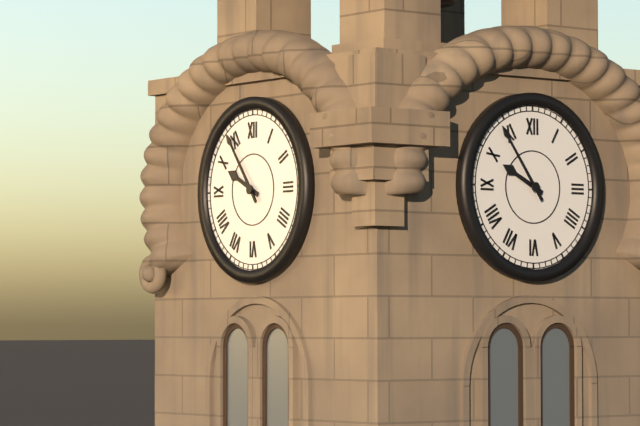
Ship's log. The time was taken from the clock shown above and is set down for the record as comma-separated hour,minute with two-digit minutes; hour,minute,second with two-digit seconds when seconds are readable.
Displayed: 9,54
